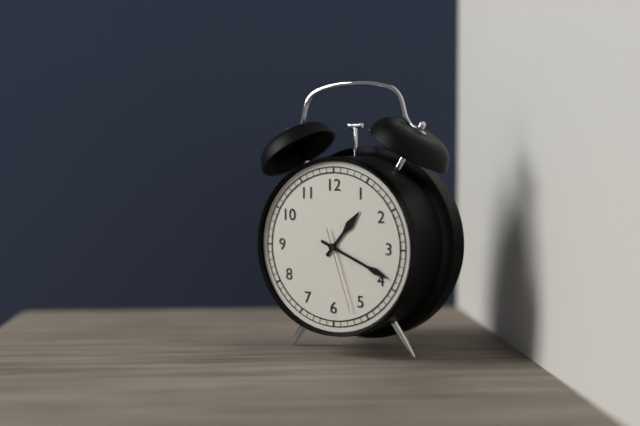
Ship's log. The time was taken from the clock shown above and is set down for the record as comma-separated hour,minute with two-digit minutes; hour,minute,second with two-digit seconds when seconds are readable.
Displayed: 1,19,27
